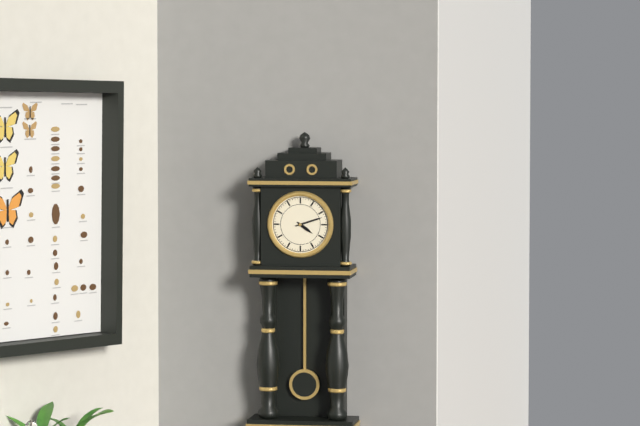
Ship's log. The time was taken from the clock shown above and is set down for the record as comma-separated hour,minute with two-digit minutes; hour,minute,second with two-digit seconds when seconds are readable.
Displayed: 4,12
